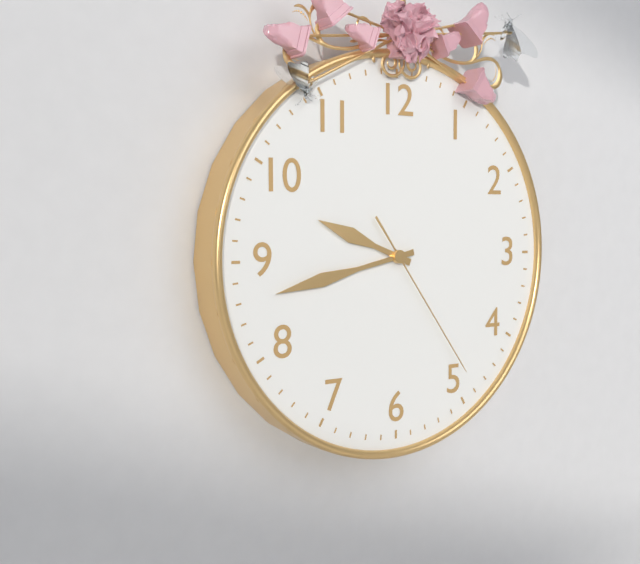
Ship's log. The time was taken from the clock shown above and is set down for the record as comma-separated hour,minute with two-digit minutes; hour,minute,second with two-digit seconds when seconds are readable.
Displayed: 9,43,24
